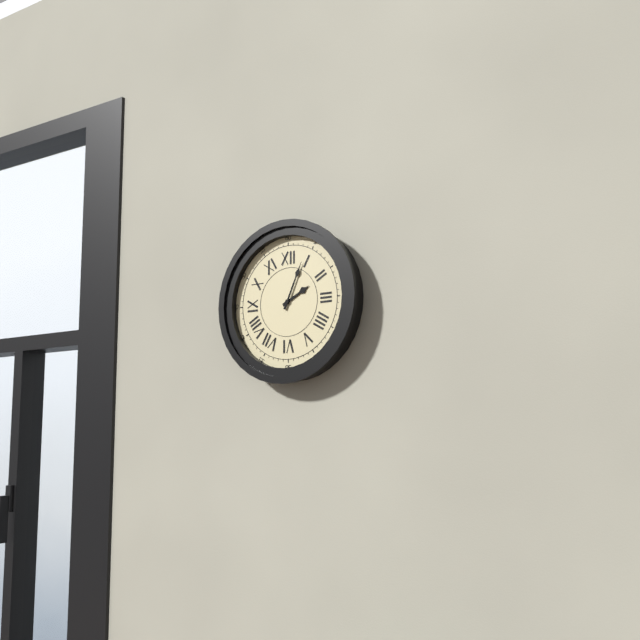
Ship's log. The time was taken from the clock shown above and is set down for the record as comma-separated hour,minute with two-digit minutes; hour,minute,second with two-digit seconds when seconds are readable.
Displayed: 2,04
